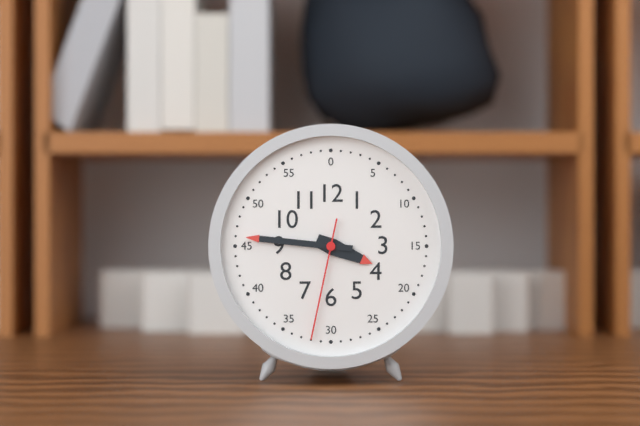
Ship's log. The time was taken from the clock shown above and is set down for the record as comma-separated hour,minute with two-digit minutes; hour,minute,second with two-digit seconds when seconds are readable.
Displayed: 3,46,32
